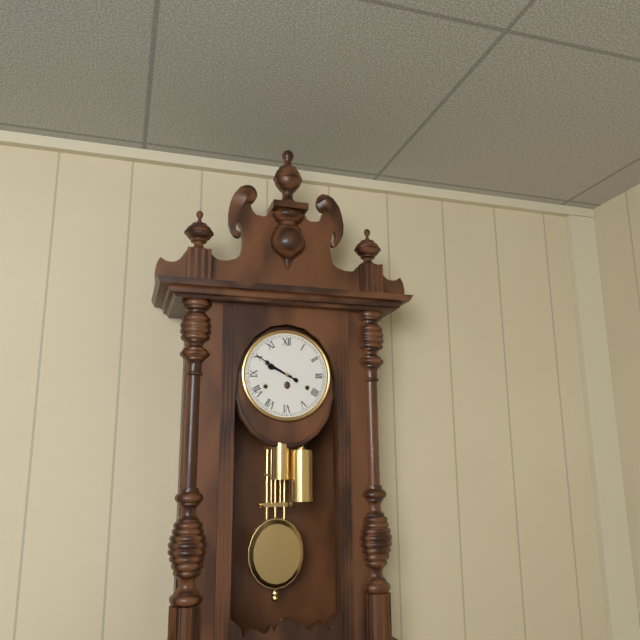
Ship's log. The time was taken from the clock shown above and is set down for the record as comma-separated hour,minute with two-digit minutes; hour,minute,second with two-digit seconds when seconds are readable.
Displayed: 9,50
